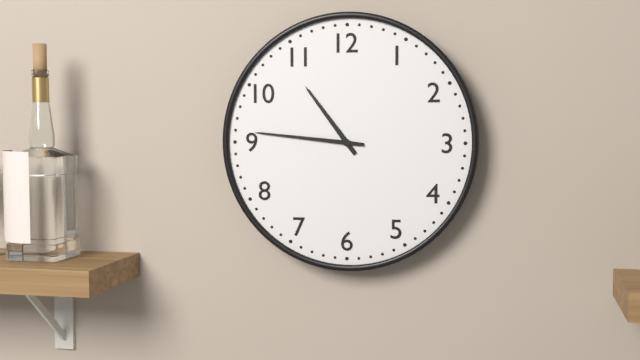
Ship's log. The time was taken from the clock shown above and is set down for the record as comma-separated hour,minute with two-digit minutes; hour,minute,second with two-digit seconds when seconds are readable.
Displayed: 10,46
